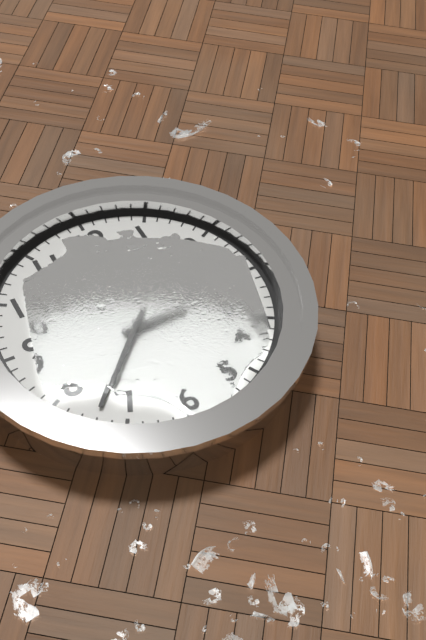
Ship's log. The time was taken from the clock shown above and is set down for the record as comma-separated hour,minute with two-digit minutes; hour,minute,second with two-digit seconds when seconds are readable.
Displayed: 2,37
